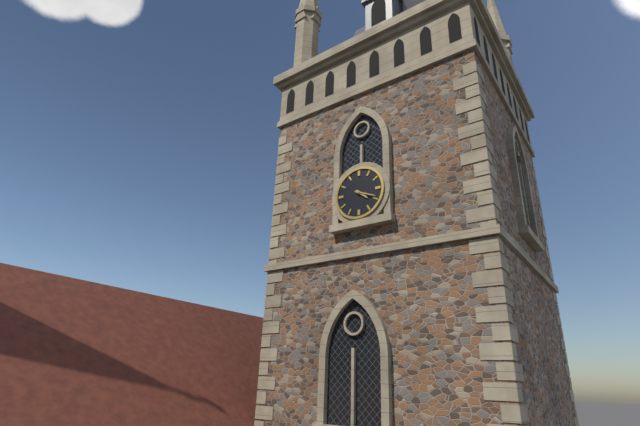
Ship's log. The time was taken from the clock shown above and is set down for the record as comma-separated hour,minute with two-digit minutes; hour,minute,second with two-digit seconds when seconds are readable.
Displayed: 4,19
